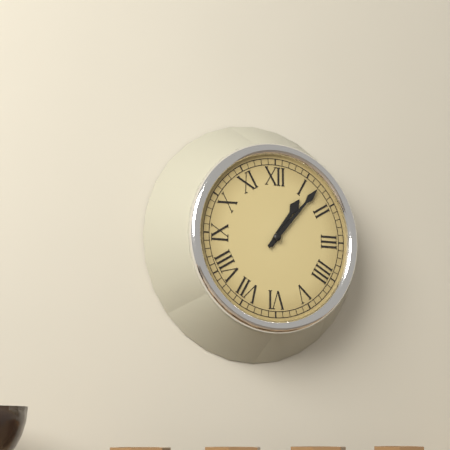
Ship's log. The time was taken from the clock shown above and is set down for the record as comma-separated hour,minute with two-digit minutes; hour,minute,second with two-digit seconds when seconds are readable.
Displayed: 1,07
